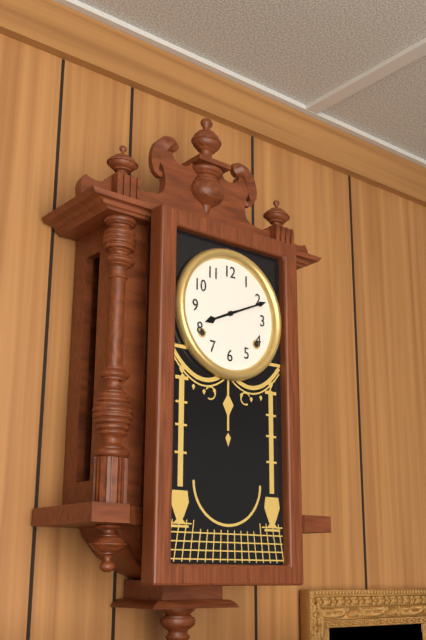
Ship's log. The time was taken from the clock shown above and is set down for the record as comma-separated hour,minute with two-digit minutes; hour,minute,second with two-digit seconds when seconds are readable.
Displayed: 8,11
